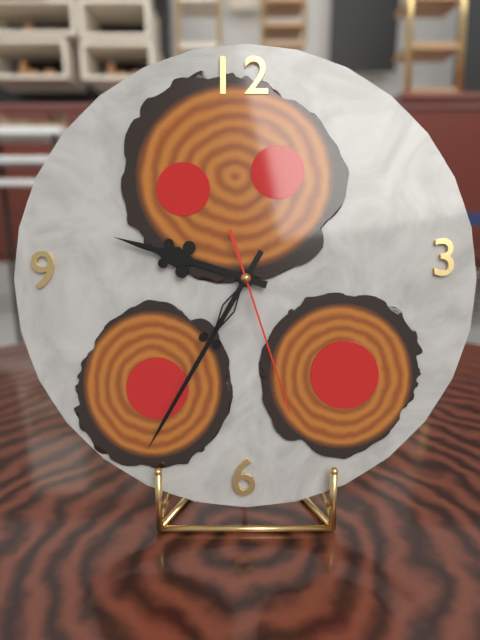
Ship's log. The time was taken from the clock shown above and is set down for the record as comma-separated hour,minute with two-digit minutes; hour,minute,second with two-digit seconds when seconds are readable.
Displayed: 9,35,27
